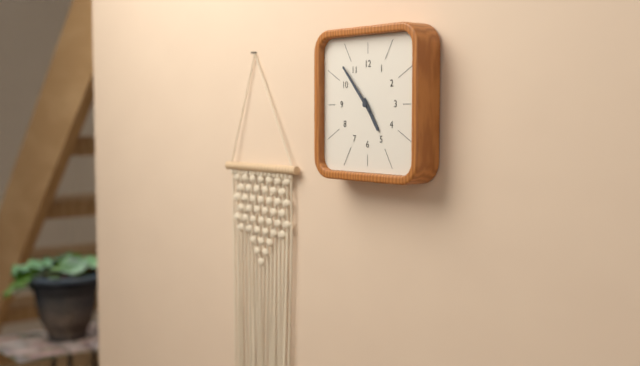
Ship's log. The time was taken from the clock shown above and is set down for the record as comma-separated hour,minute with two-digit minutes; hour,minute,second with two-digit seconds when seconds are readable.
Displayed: 4,53
